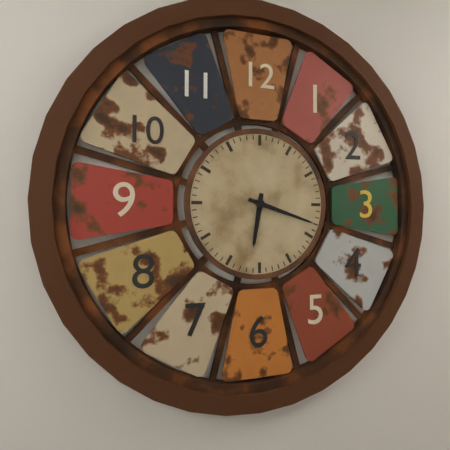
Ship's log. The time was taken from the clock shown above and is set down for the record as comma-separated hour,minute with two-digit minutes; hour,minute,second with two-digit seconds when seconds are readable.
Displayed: 6,18
